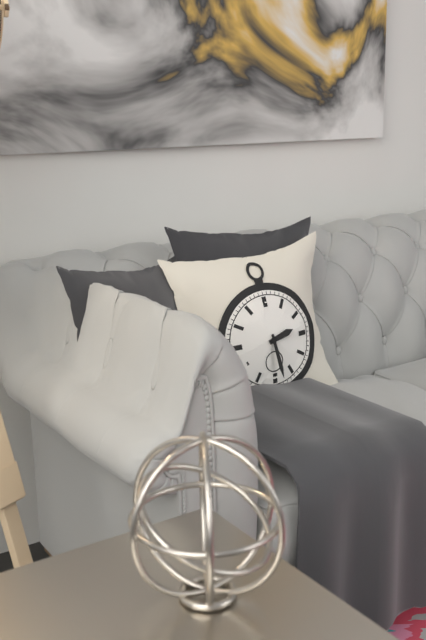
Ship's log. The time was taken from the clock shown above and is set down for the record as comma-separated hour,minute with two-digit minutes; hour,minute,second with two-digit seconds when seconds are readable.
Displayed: 2,29
